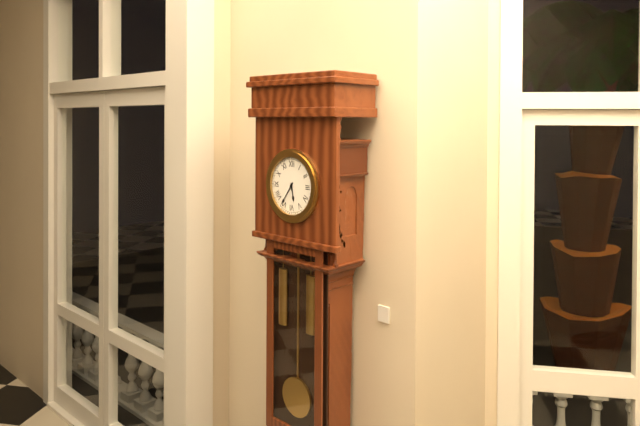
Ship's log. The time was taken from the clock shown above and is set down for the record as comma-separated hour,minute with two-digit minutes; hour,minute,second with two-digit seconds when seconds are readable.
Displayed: 5,36
